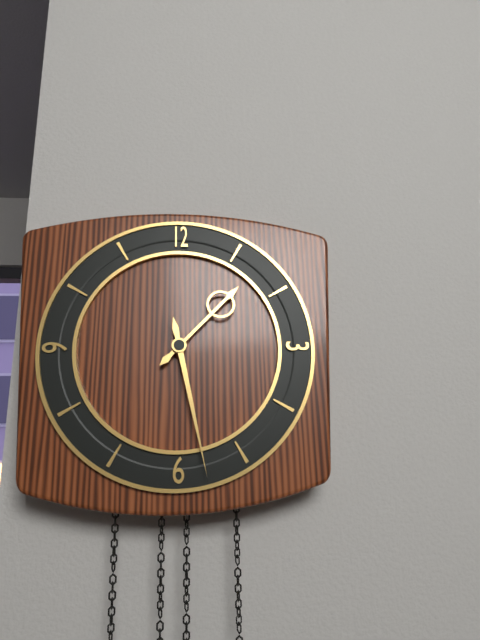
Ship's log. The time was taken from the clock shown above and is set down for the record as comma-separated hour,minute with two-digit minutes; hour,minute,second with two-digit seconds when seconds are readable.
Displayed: 1,28
